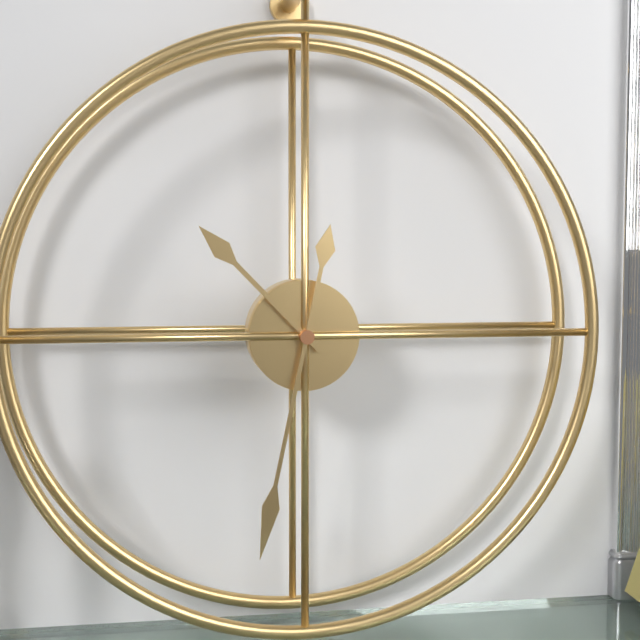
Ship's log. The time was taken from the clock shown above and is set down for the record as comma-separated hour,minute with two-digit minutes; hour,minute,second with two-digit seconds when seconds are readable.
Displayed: 10,32
